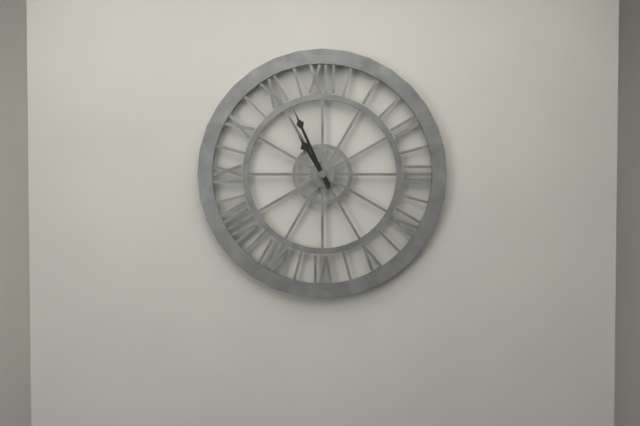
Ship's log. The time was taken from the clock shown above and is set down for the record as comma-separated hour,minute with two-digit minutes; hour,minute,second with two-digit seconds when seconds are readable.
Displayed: 10,56
